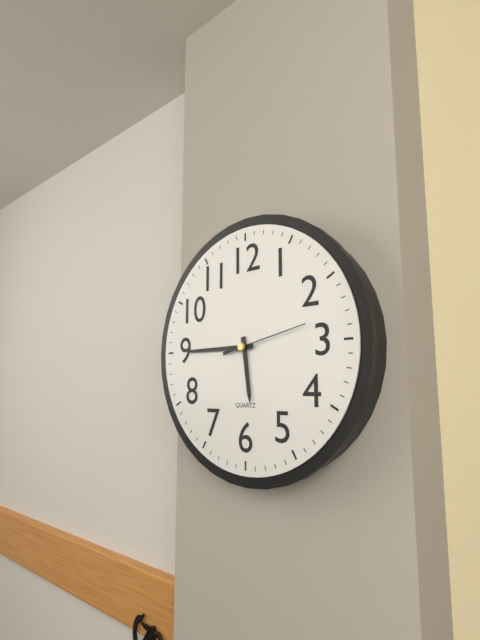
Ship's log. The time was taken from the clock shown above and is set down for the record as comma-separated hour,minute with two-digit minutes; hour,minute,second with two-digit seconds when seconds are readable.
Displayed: 5,45,13
